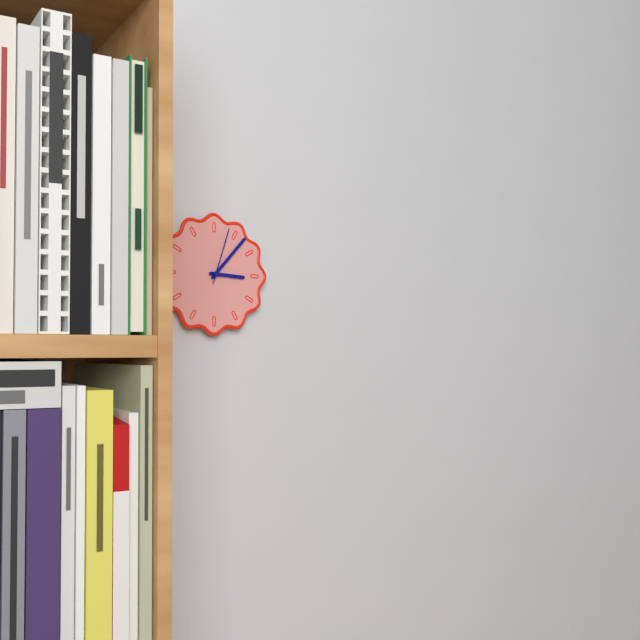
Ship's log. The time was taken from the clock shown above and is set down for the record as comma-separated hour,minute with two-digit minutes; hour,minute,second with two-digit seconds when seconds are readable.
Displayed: 3,07,03
